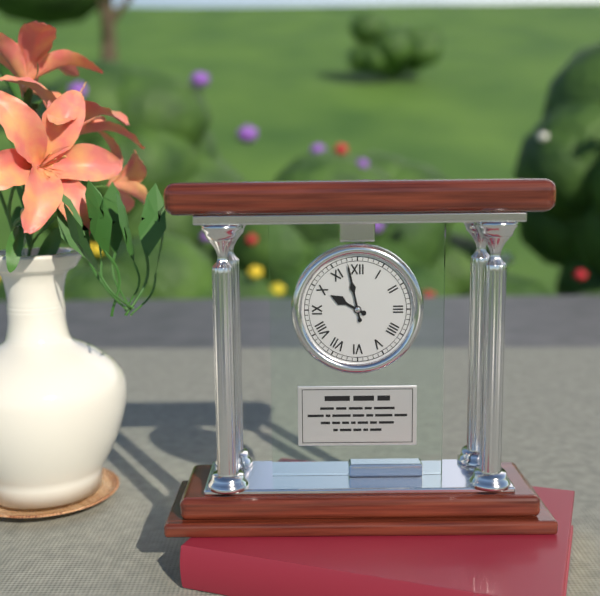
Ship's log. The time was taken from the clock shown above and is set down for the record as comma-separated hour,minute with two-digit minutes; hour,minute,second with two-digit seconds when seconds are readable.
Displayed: 9,58
